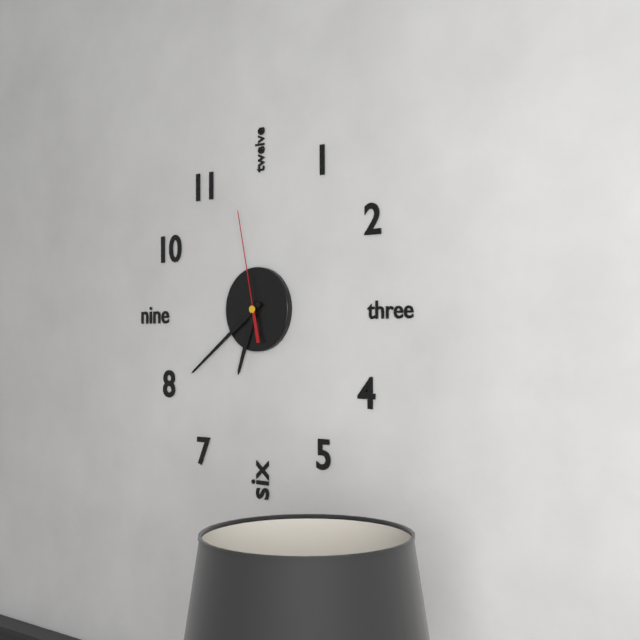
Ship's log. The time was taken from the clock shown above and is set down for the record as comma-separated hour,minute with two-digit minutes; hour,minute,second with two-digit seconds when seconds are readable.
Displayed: 6,39,58
